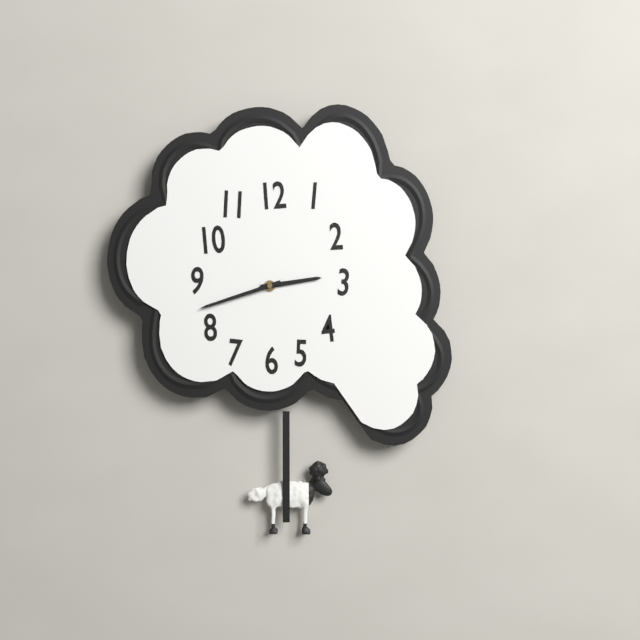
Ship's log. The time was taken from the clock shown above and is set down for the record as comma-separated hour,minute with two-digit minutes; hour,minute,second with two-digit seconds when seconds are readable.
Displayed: 2,42
